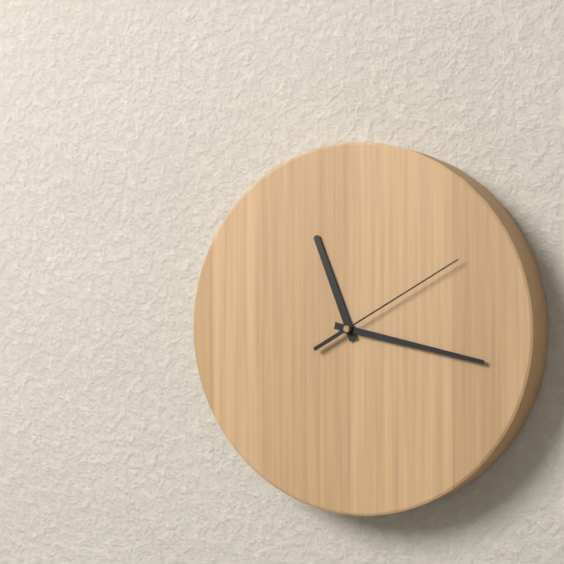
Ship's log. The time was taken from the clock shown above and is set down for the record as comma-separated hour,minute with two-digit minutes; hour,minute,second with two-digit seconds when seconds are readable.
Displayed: 11,17,10
